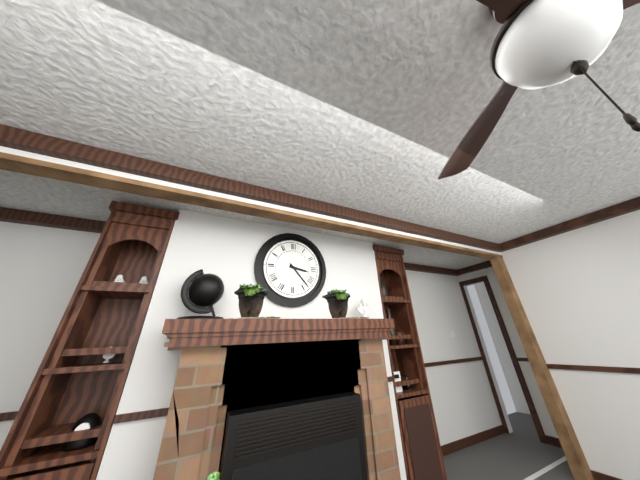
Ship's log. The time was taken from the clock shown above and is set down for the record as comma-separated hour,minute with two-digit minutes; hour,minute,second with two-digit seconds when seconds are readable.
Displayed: 3,23
